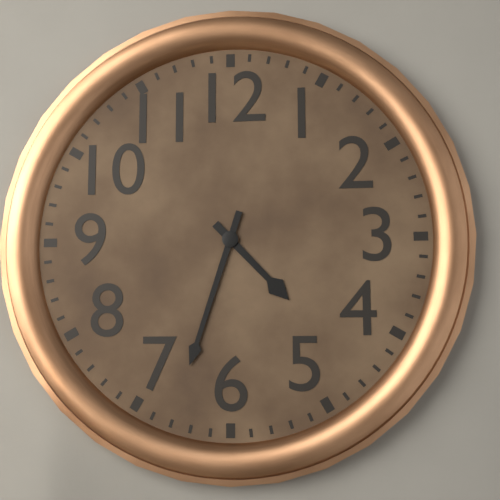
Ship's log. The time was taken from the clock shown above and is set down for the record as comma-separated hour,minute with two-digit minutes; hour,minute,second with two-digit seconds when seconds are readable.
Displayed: 4,33
